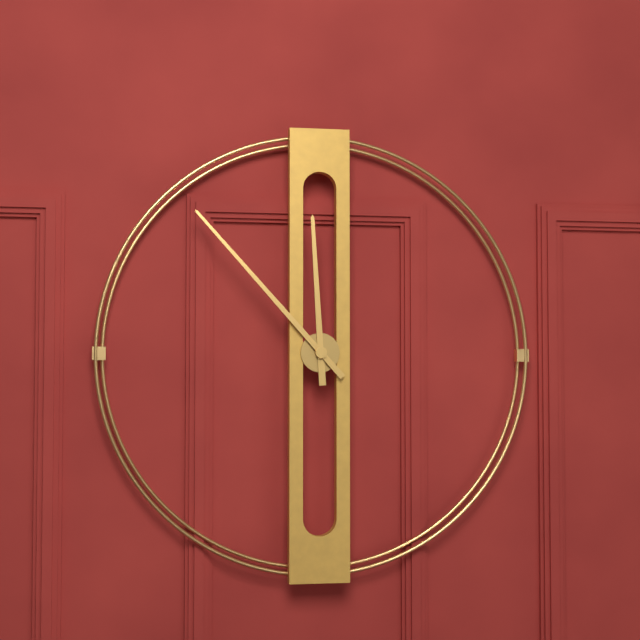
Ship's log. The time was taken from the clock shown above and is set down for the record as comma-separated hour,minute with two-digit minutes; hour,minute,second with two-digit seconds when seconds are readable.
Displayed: 11,53
